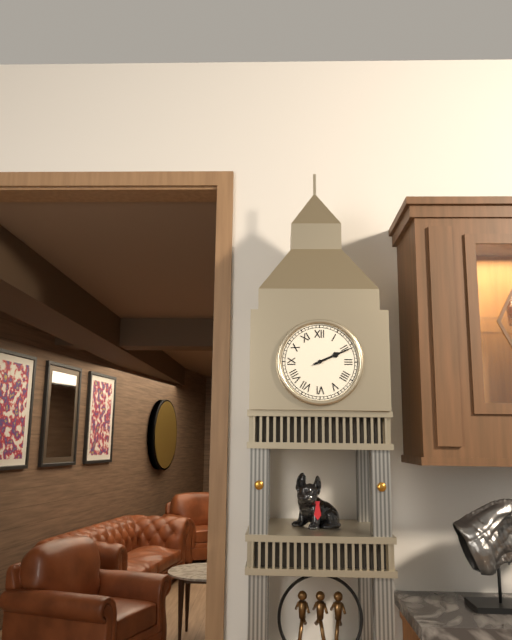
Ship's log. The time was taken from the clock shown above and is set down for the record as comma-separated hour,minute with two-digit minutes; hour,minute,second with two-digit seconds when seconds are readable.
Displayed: 2,11
